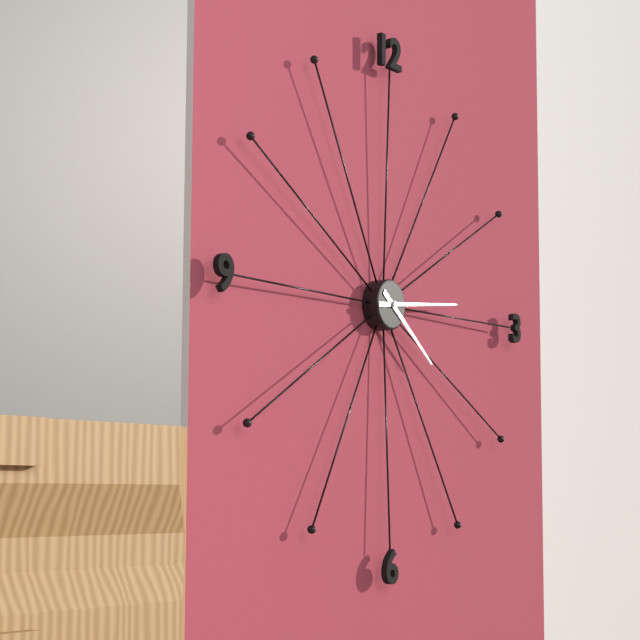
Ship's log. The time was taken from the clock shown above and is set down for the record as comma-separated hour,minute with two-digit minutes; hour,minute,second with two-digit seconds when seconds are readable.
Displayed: 4,14
